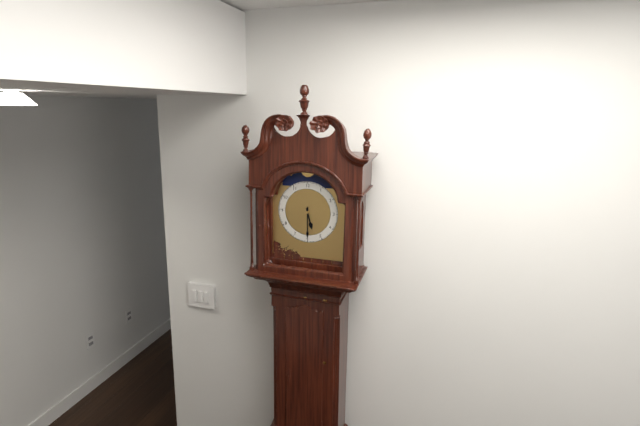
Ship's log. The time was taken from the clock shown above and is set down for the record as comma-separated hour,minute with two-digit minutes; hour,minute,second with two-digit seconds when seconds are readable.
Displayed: 5,30
